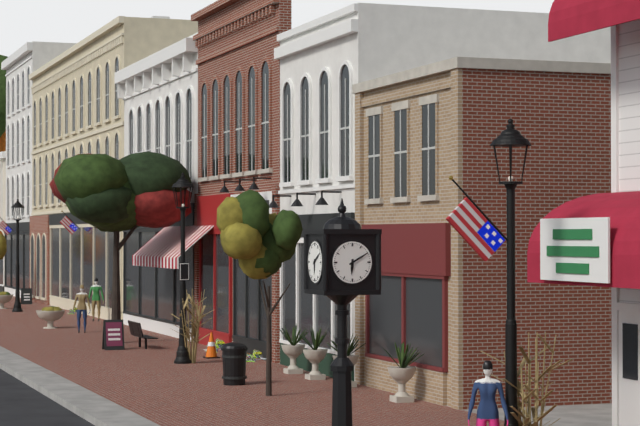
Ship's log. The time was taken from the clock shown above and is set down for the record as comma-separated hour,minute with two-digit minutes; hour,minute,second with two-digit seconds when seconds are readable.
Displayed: 6,10
